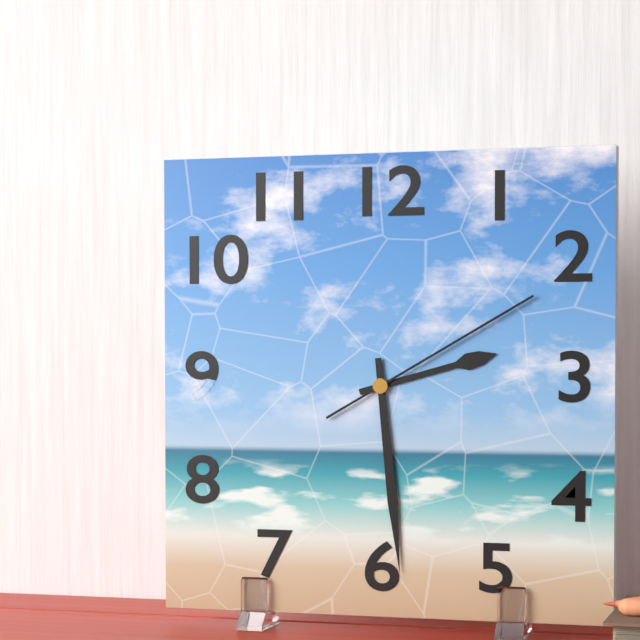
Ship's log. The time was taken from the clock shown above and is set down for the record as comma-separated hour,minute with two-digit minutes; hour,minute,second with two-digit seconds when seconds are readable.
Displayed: 2,29,10
